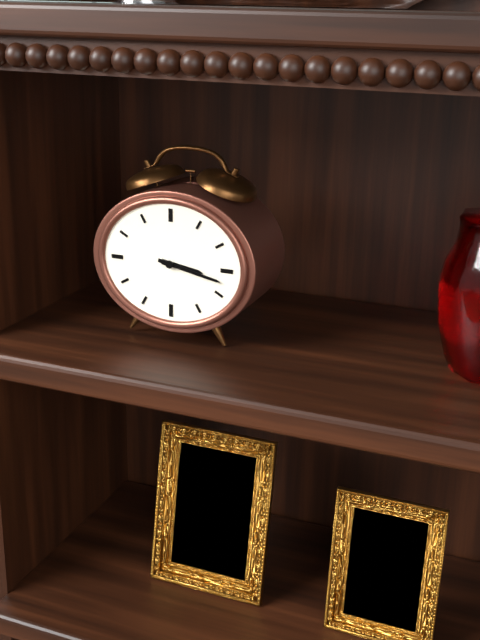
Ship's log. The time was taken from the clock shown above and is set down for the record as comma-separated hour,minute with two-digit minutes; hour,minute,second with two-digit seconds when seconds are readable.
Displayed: 3,17
